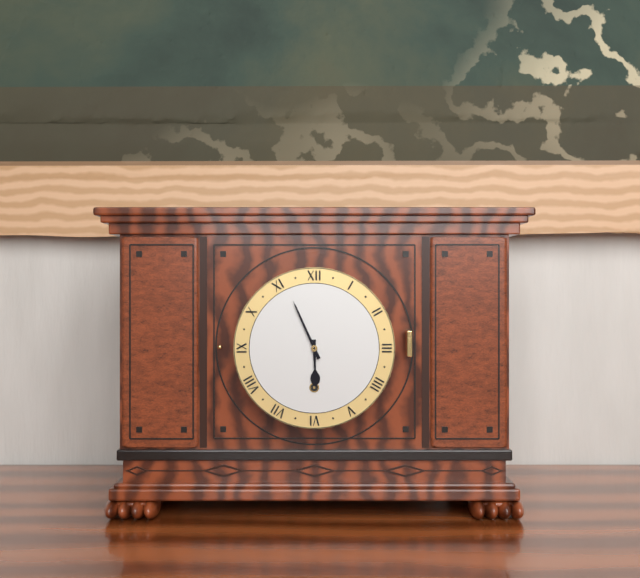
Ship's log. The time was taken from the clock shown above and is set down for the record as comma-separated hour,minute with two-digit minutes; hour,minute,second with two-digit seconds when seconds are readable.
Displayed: 5,56
